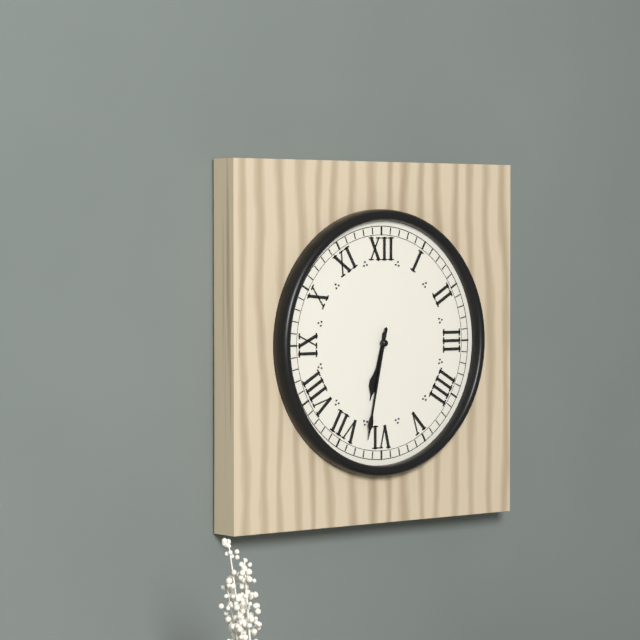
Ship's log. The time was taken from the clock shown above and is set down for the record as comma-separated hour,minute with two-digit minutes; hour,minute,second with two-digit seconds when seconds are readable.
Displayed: 6,32
